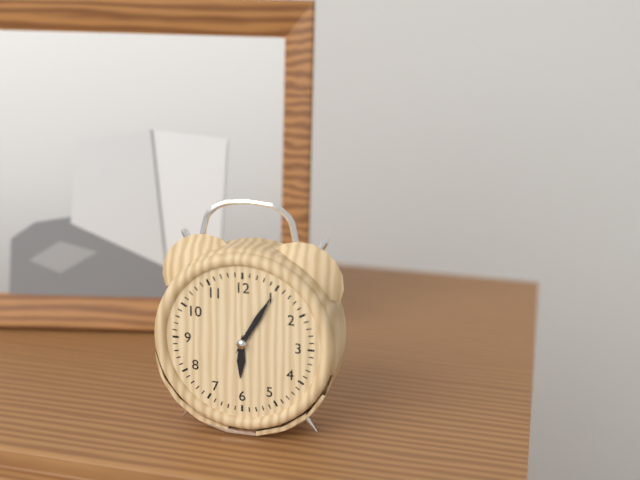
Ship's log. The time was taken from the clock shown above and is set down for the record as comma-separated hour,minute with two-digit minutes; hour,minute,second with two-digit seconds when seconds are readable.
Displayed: 6,05
